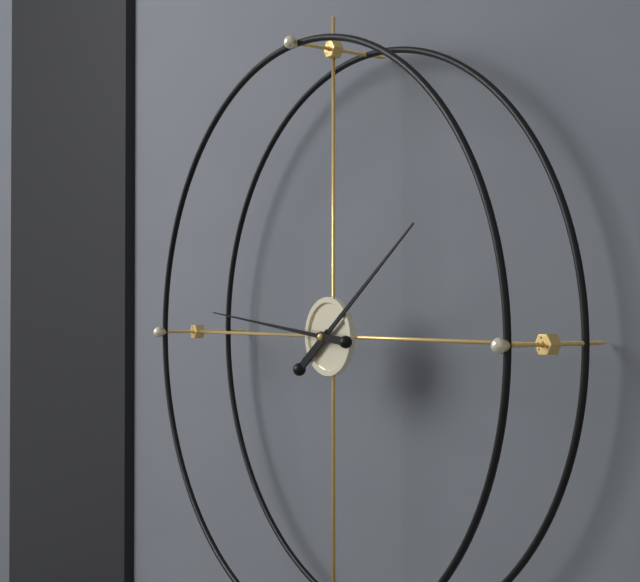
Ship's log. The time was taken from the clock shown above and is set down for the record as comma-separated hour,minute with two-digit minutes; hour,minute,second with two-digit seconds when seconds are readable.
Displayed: 1,46
